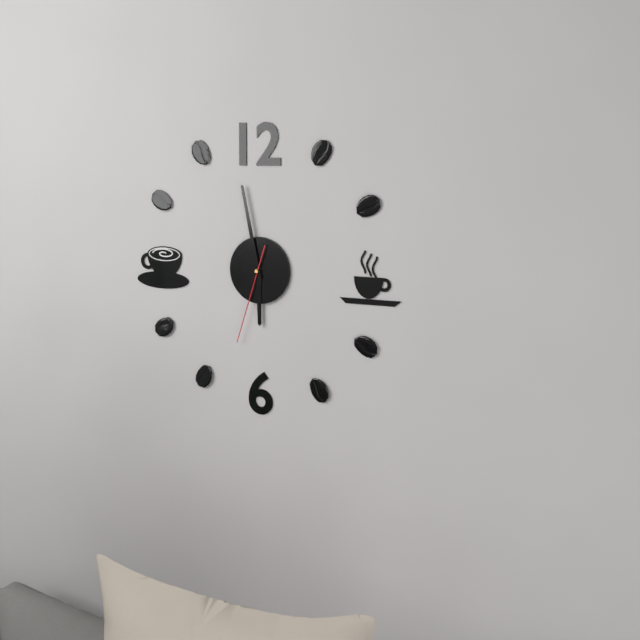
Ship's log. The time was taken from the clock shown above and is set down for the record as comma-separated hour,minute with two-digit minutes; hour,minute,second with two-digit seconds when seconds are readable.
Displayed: 5,58,33
